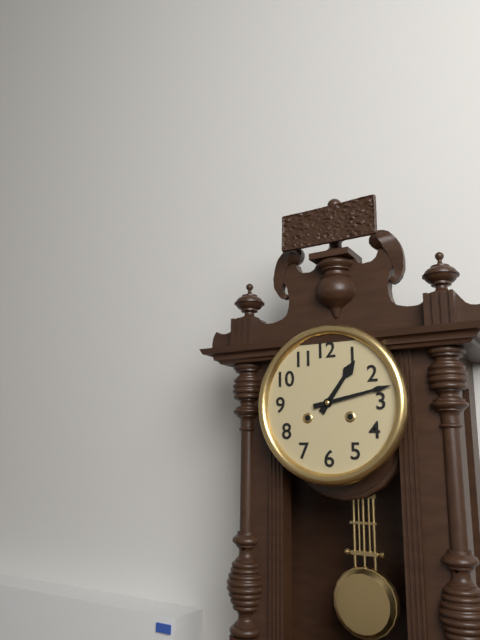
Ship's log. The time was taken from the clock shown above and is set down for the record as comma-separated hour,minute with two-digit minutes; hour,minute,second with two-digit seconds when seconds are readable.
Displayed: 1,13
